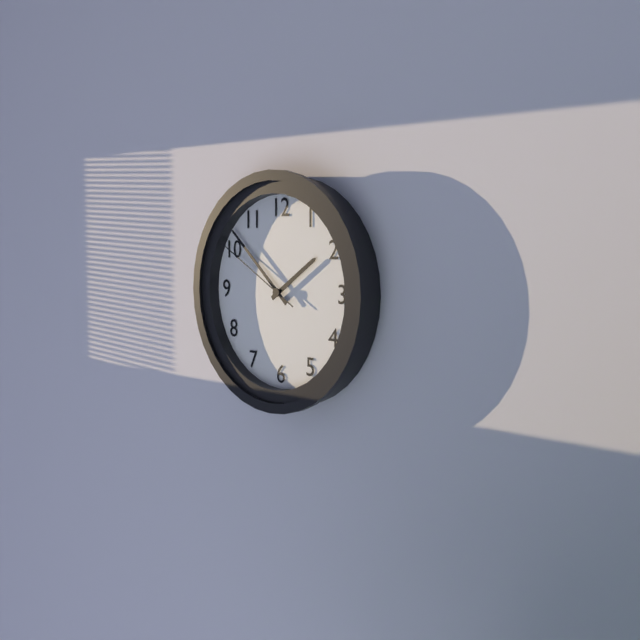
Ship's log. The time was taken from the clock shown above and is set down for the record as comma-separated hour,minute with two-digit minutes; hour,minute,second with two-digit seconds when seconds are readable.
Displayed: 1,52,50
